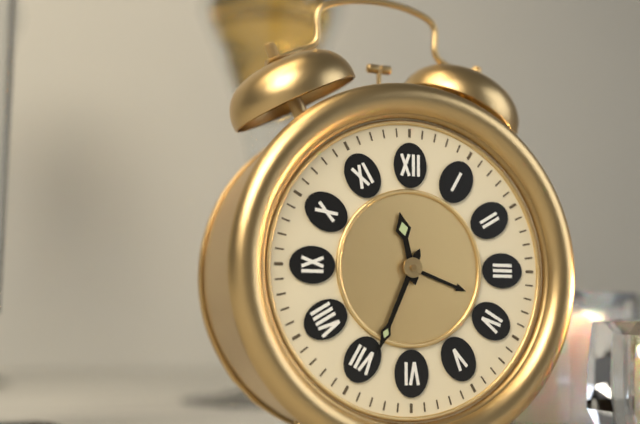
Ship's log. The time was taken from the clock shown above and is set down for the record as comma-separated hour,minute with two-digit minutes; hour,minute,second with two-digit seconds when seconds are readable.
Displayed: 11,34
